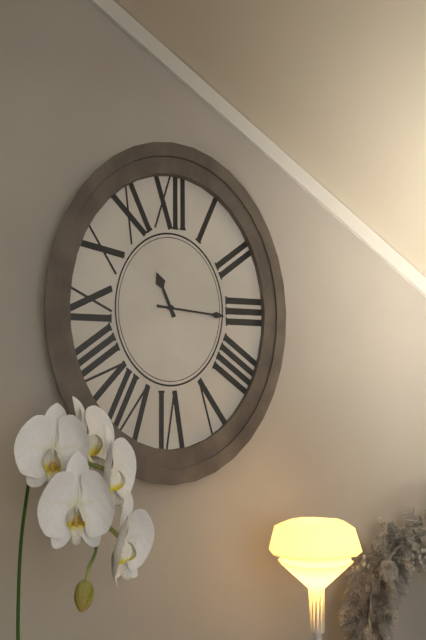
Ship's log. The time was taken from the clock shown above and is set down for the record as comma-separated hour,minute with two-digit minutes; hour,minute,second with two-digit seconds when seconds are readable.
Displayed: 11,16
